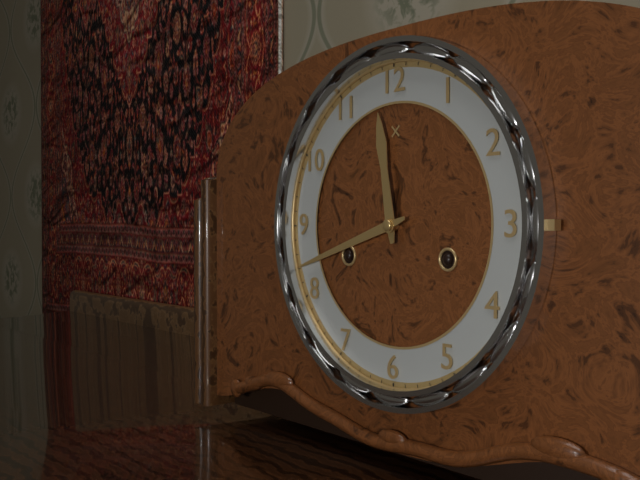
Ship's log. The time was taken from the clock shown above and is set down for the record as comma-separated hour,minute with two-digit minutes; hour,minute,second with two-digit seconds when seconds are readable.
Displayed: 11,42
